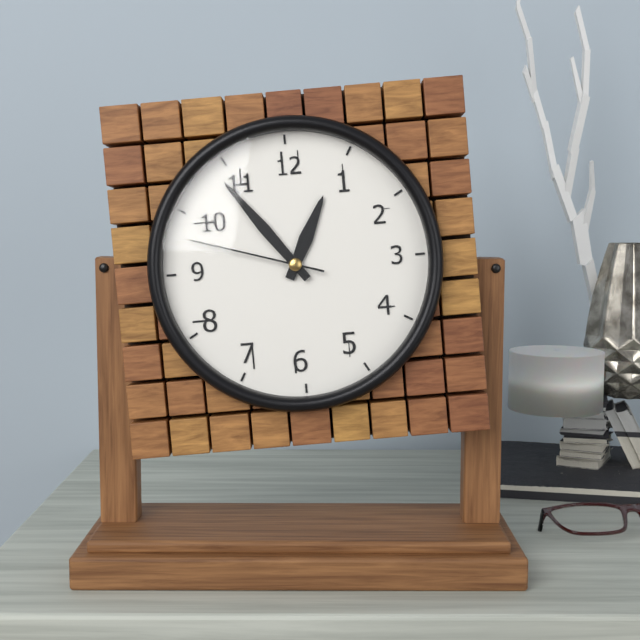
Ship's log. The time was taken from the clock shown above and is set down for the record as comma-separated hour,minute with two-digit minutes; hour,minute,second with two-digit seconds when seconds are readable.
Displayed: 12,54,48
